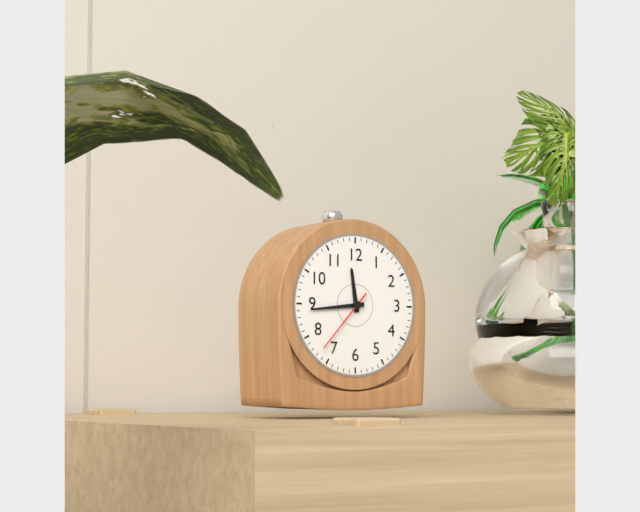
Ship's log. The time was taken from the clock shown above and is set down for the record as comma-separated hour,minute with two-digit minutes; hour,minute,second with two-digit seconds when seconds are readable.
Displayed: 11,44,37
